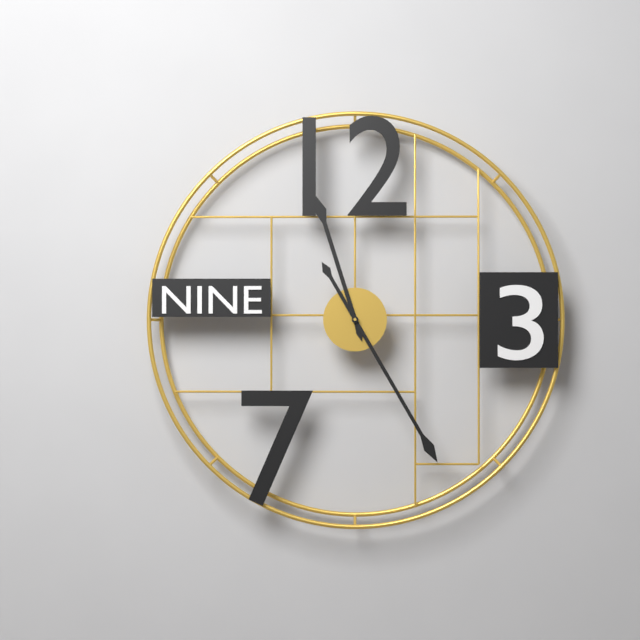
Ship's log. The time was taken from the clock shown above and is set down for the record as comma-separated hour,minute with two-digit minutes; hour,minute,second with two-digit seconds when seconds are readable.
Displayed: 11,25
